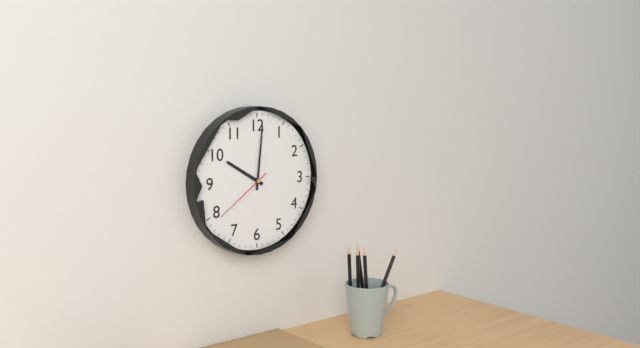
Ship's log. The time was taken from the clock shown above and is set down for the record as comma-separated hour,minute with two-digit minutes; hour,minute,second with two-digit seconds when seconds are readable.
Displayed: 10,01,39
